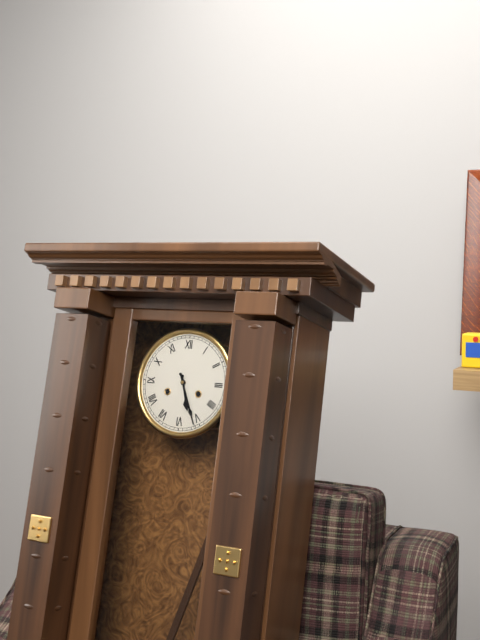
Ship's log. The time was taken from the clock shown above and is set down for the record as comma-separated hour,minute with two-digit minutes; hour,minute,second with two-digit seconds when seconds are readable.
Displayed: 5,26
